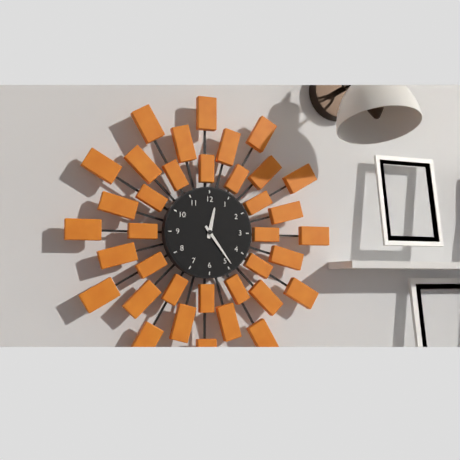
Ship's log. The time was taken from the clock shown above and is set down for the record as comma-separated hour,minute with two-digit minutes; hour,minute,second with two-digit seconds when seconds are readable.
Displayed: 12,24
